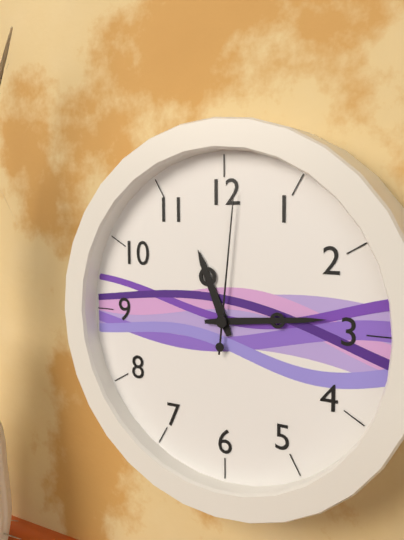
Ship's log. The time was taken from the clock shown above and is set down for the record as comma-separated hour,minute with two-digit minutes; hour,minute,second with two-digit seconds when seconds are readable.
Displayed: 11,14,01
